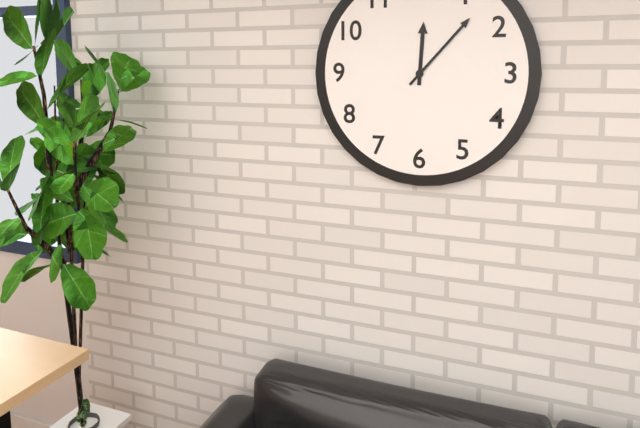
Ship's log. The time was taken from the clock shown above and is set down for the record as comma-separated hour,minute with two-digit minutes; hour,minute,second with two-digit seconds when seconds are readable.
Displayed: 12,07
